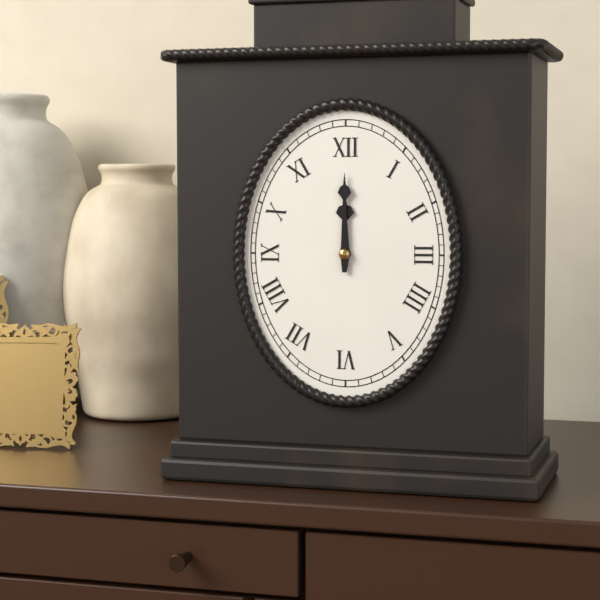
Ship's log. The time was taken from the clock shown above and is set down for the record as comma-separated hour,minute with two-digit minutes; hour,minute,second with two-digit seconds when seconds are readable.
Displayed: 12,00
